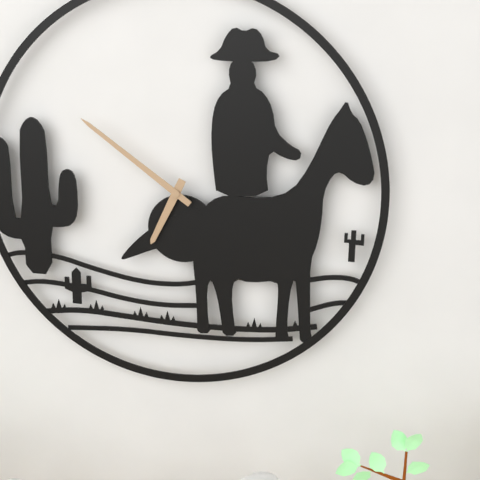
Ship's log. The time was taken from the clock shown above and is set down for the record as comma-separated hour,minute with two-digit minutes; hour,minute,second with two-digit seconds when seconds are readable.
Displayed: 6,51
